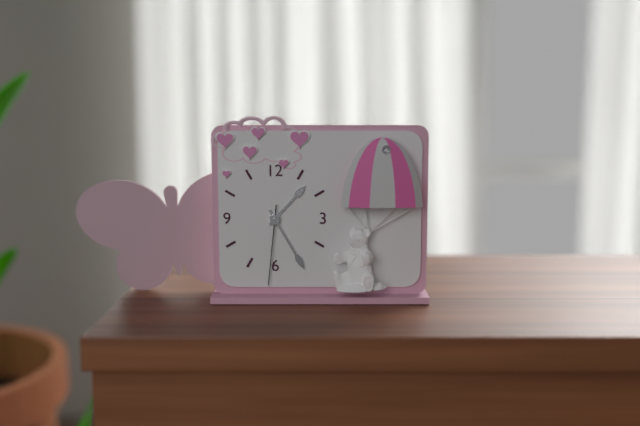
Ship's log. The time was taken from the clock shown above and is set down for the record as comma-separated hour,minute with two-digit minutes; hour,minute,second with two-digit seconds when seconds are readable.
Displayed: 1,25,31
